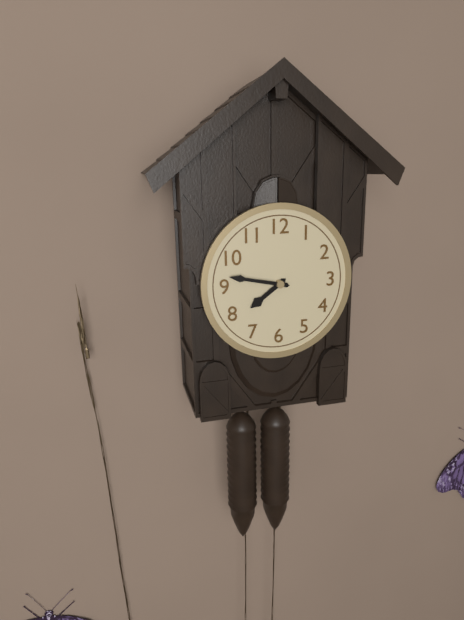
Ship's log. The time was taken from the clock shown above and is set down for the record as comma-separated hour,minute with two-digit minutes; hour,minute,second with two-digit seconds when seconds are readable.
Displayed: 7,47
